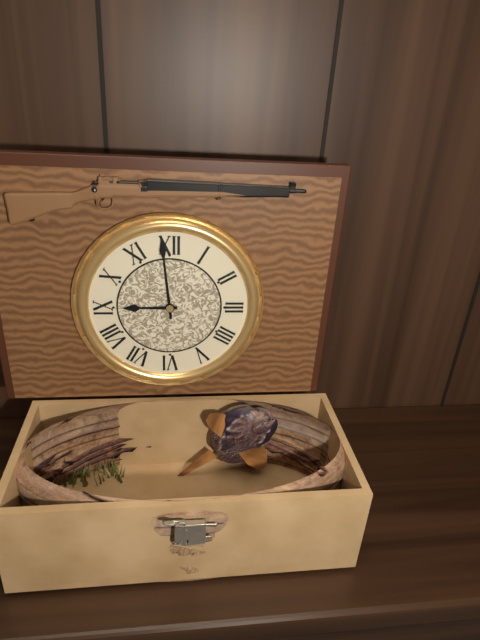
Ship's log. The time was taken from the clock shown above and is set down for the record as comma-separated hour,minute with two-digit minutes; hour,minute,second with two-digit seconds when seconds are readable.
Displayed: 8,59
